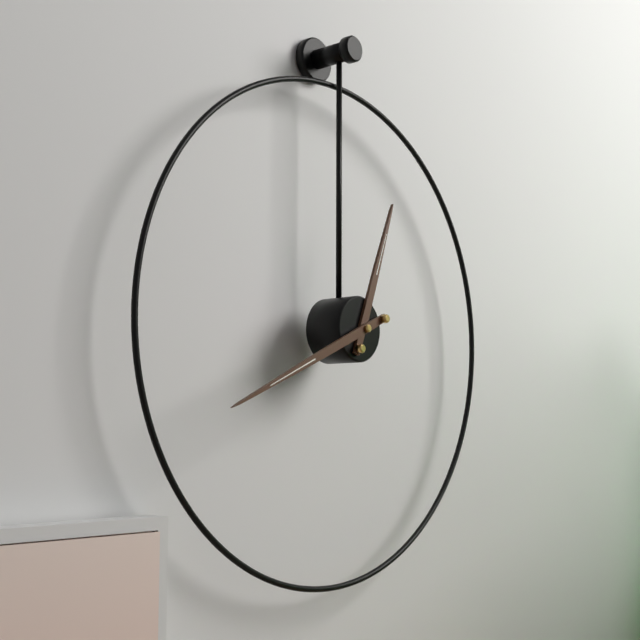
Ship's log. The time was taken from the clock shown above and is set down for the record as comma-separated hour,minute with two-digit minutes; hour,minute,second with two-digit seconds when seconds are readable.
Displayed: 12,41
